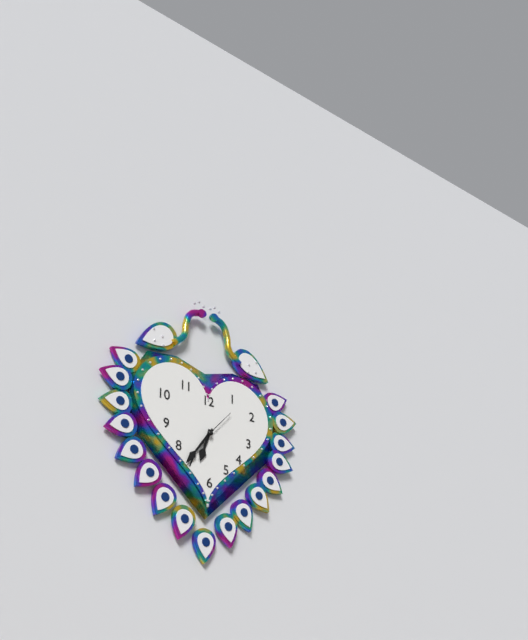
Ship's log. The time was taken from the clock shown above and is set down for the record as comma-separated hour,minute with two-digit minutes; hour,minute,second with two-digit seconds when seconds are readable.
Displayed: 6,36
